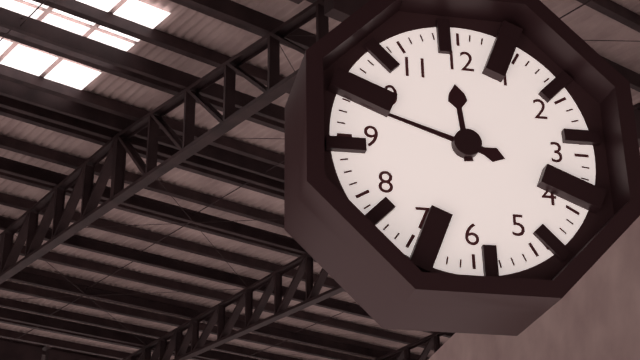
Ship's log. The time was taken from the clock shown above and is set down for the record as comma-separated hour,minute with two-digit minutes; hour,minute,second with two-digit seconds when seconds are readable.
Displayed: 11,48
